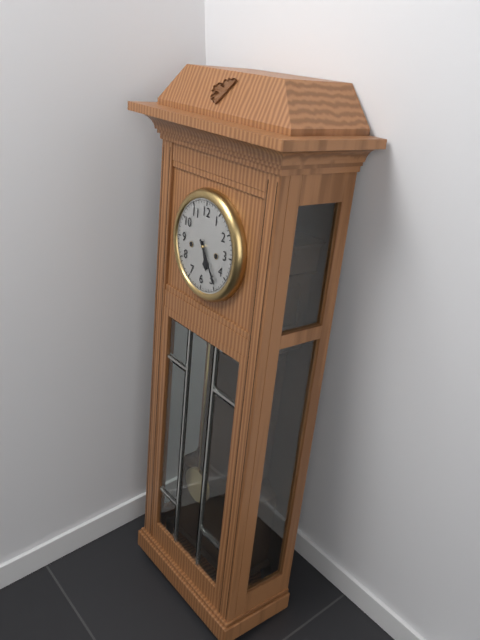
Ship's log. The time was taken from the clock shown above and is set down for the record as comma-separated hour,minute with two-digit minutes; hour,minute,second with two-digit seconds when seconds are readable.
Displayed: 5,24
